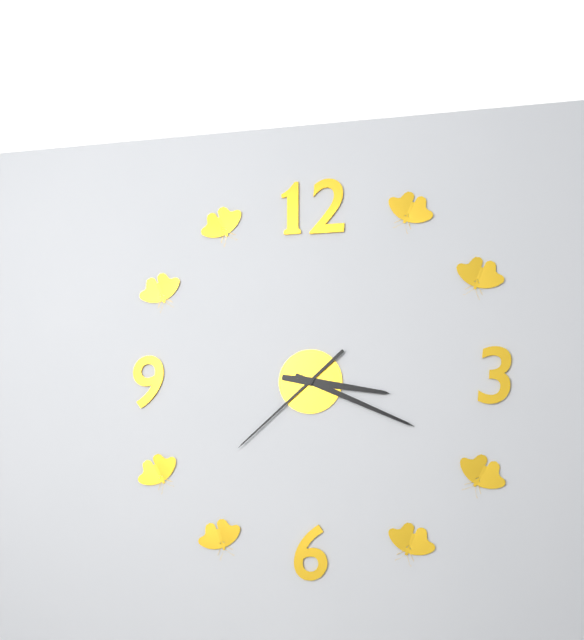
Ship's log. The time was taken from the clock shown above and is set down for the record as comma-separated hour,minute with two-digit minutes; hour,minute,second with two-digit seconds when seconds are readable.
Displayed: 3,19,38
